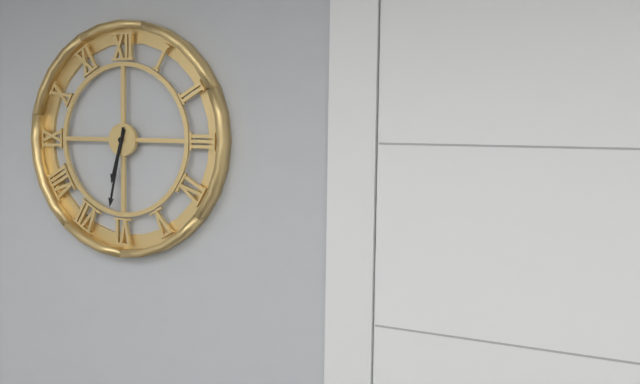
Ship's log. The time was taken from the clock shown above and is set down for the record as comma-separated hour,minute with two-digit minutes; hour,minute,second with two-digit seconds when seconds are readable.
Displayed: 6,32
